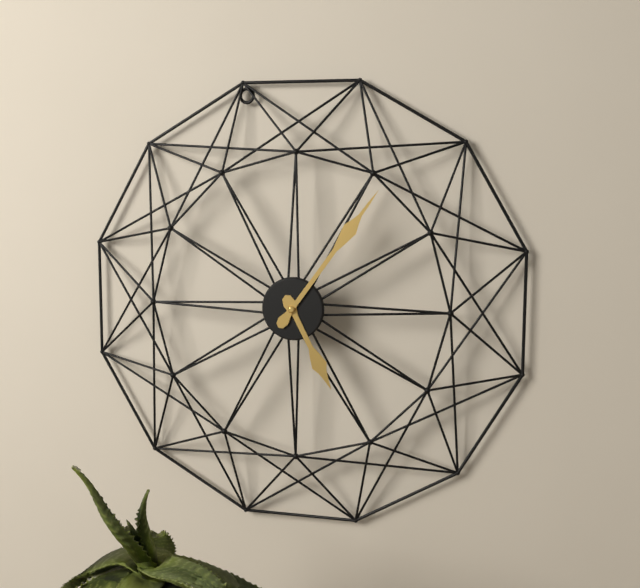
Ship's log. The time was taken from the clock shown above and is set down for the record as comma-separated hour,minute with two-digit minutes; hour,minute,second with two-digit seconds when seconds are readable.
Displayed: 5,06
